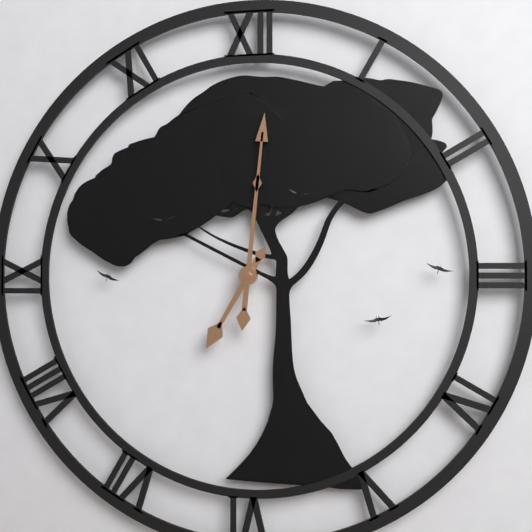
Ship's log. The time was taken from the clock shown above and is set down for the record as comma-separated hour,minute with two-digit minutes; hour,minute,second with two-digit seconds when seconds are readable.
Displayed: 7,01
